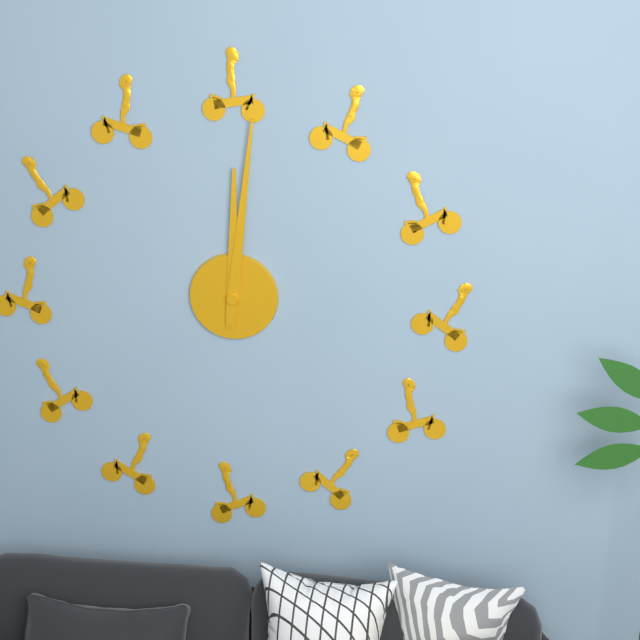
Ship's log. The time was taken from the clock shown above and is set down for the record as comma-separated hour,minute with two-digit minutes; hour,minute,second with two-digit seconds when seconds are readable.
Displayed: 12,01
